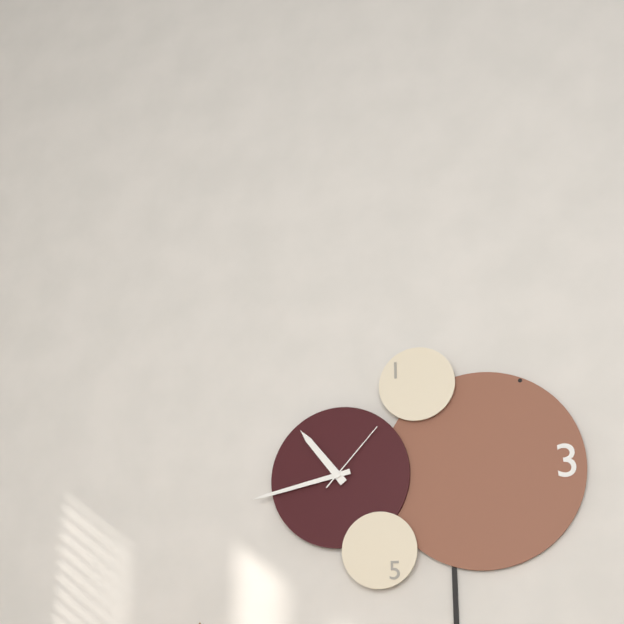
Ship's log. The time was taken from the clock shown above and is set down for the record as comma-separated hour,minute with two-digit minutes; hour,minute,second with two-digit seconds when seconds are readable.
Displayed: 10,43,07
